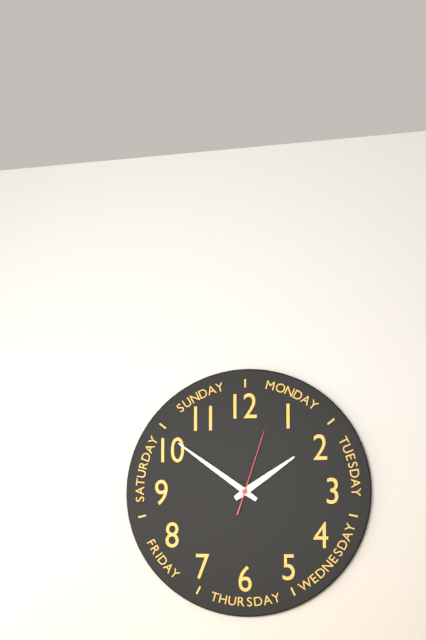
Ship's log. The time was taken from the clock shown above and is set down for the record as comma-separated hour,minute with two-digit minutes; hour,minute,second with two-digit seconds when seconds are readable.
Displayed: 1,51,03
